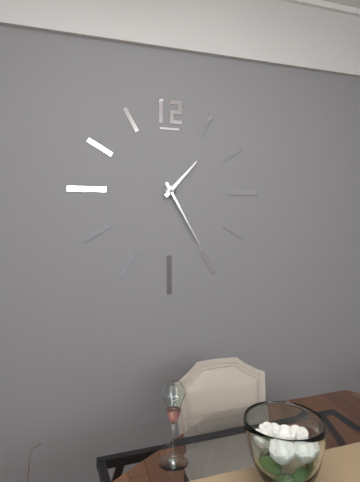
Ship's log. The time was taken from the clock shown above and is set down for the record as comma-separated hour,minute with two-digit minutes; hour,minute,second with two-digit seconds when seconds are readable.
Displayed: 1,25
